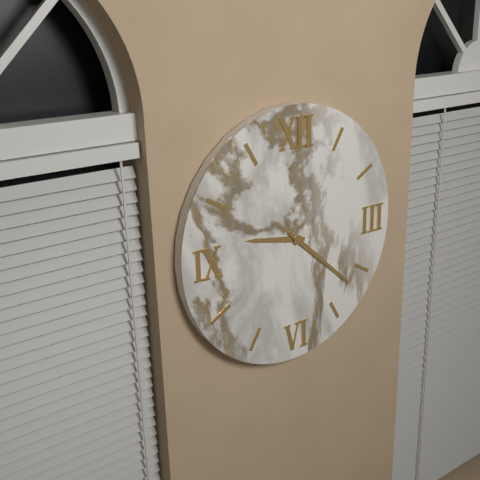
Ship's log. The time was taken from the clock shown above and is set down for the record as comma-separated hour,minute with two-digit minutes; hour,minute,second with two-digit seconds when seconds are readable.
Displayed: 9,22
